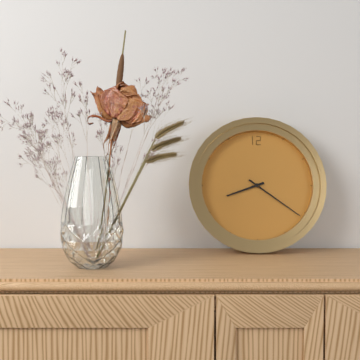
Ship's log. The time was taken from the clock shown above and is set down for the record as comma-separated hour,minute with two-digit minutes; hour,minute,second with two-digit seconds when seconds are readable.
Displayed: 8,21
